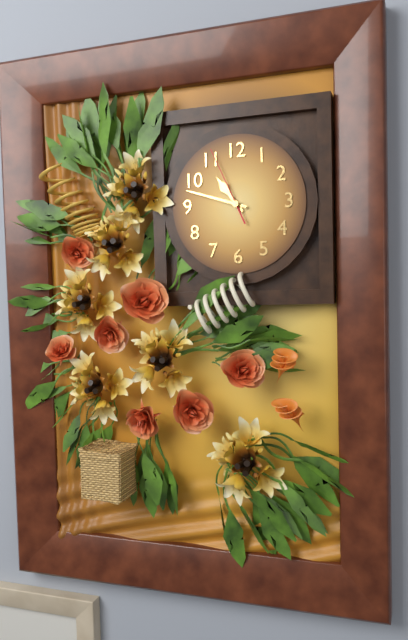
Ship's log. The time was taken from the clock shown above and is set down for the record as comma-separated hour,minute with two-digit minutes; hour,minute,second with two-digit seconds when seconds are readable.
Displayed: 10,48,56
